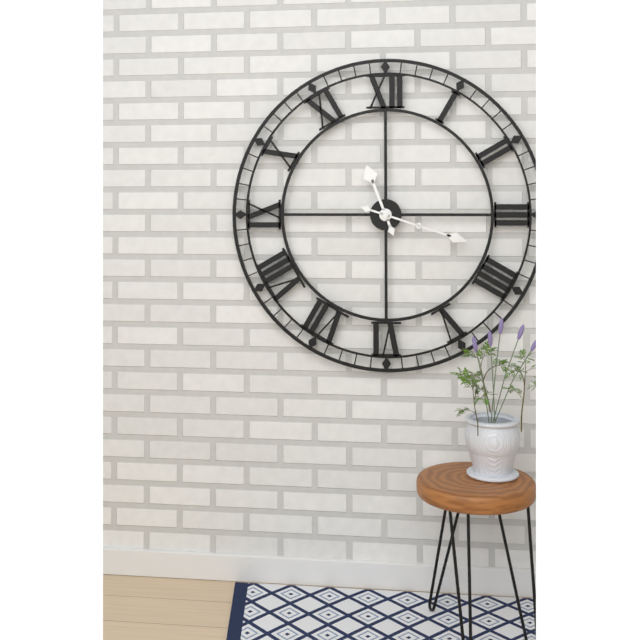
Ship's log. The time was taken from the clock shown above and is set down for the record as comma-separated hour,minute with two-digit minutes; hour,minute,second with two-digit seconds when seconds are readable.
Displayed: 11,18
